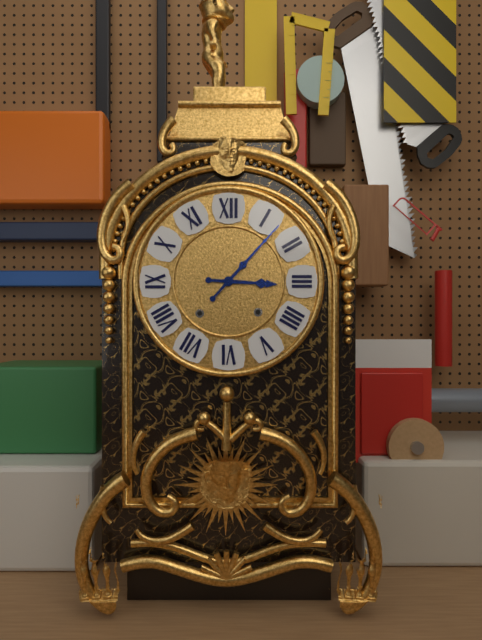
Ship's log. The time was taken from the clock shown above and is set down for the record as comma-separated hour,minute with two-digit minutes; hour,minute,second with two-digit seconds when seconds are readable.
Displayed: 3,07
